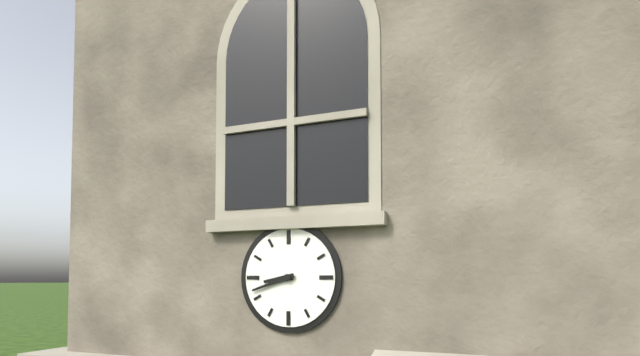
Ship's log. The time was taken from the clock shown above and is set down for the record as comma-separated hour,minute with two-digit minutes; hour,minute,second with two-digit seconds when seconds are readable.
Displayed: 8,42
